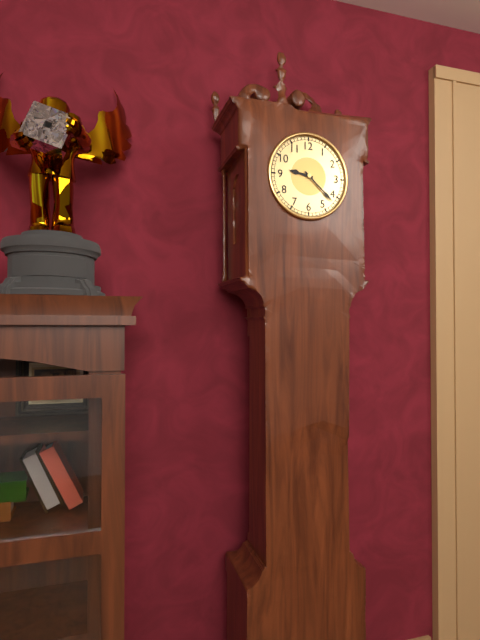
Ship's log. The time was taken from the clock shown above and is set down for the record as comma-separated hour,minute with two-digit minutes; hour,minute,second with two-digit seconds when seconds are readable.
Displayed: 9,22
